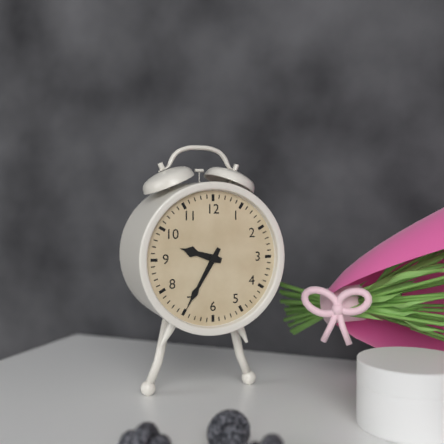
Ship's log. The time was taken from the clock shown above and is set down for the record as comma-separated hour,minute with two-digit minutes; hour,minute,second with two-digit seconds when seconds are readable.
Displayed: 9,35
